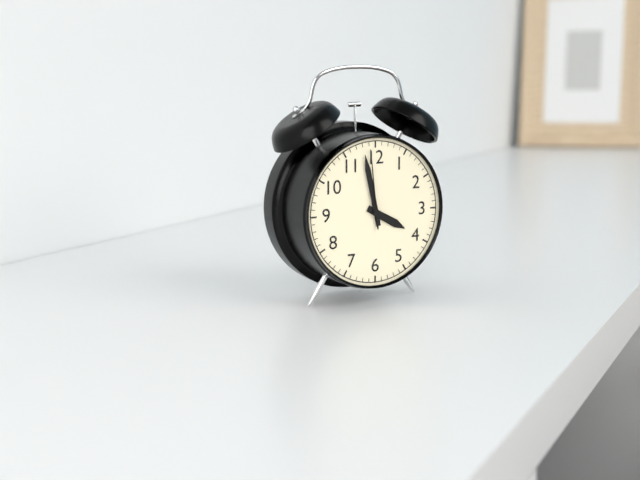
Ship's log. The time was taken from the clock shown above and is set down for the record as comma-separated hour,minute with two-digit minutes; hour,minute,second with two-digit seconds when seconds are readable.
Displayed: 3,58,59
